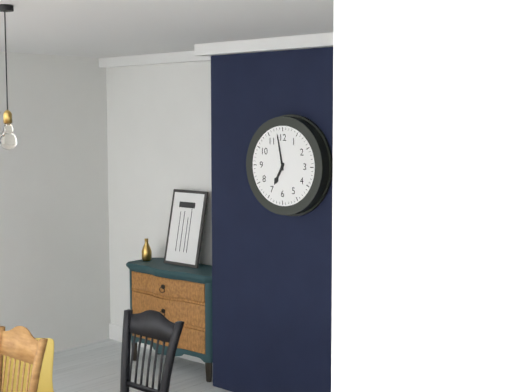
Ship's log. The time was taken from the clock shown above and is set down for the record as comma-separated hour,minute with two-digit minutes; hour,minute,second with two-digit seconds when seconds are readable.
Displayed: 6,58
